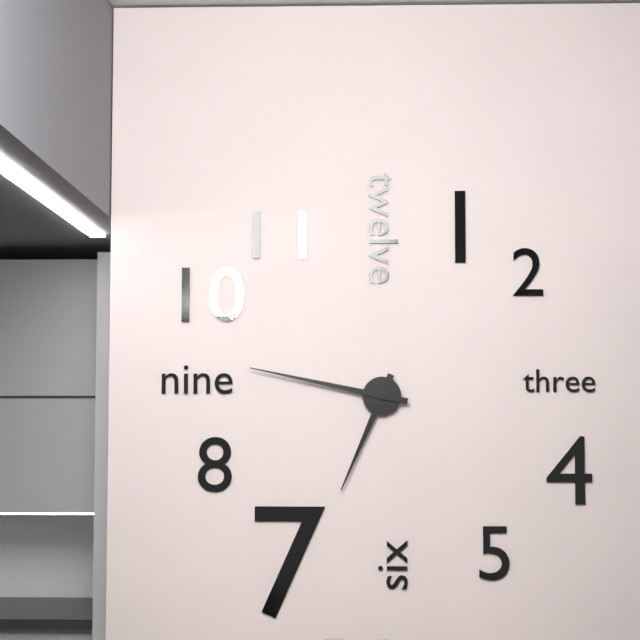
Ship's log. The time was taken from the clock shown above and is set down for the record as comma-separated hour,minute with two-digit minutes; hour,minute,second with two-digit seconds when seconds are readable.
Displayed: 6,47
